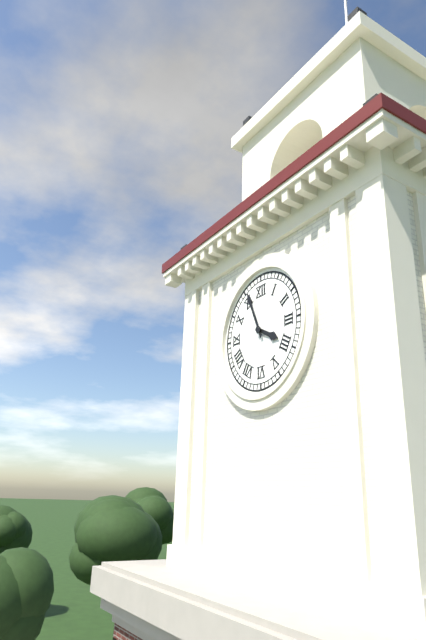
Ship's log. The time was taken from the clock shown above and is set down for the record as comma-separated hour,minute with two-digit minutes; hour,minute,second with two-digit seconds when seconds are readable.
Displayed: 3,56
